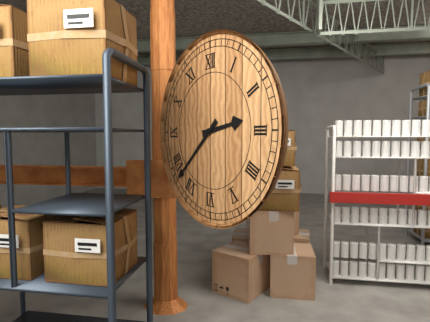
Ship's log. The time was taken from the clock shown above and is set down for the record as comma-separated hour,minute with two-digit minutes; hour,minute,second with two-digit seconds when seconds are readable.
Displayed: 2,38
